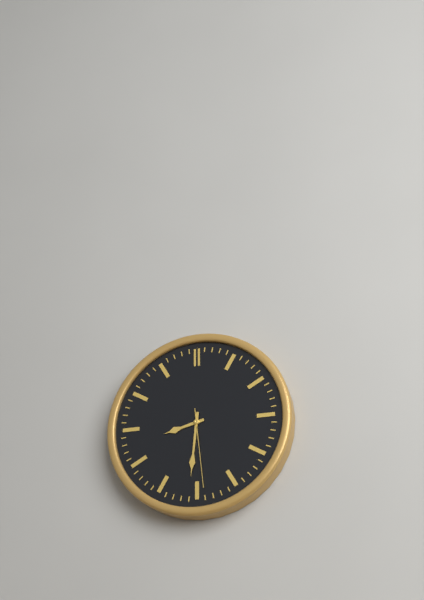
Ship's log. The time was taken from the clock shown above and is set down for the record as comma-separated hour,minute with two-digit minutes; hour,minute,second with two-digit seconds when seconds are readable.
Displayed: 8,31,29
